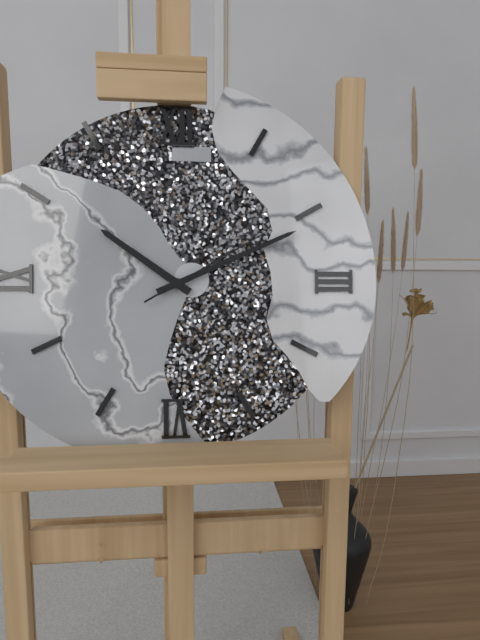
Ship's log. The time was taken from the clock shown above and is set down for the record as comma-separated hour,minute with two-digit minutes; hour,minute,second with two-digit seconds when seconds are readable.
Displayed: 10,11,10
